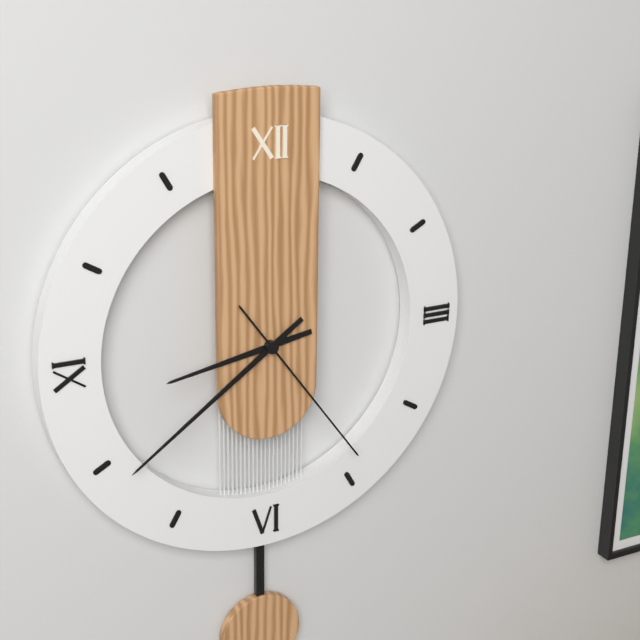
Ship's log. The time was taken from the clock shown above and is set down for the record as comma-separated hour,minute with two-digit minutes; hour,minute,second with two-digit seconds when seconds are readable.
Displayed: 8,39,24
